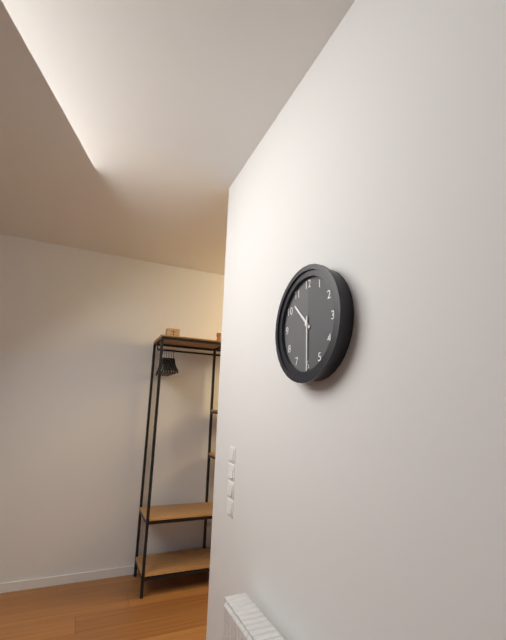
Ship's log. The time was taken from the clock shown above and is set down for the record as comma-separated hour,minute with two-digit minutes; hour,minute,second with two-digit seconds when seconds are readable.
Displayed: 10,30
